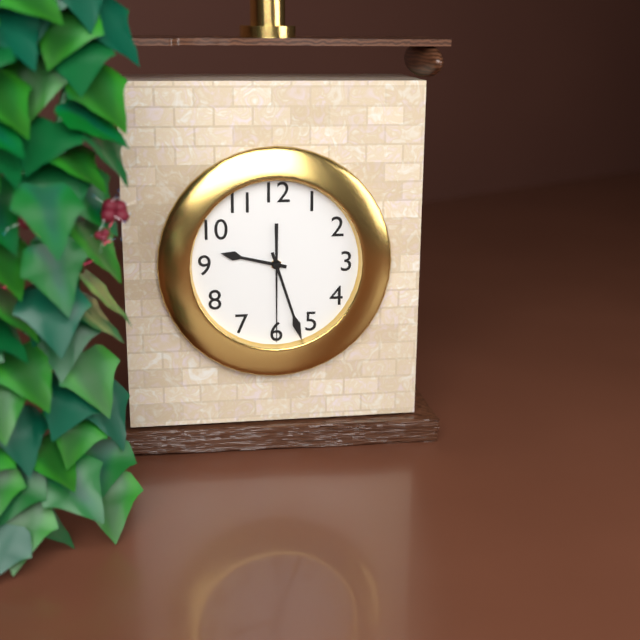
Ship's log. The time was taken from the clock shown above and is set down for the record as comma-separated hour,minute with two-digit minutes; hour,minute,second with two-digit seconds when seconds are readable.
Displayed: 9,27,30
